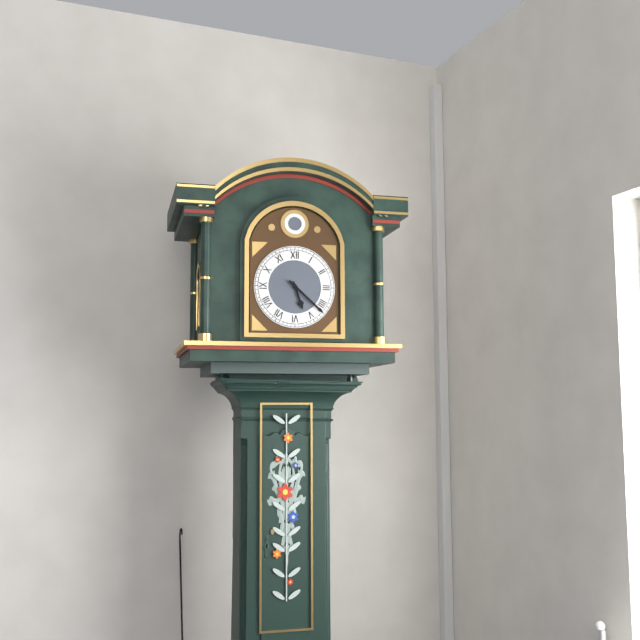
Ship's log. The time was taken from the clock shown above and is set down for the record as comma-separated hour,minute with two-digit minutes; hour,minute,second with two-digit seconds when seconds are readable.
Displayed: 5,22
